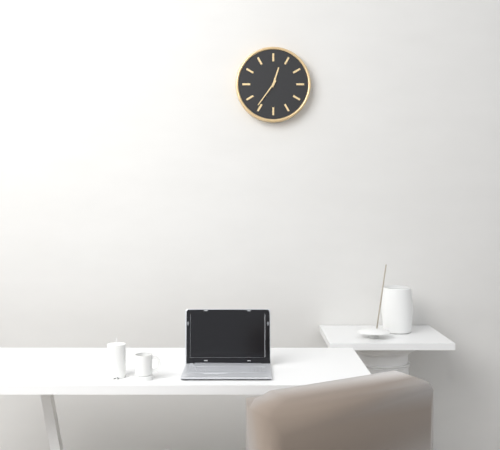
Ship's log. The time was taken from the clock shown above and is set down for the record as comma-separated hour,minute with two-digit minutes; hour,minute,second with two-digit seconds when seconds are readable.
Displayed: 12,36
